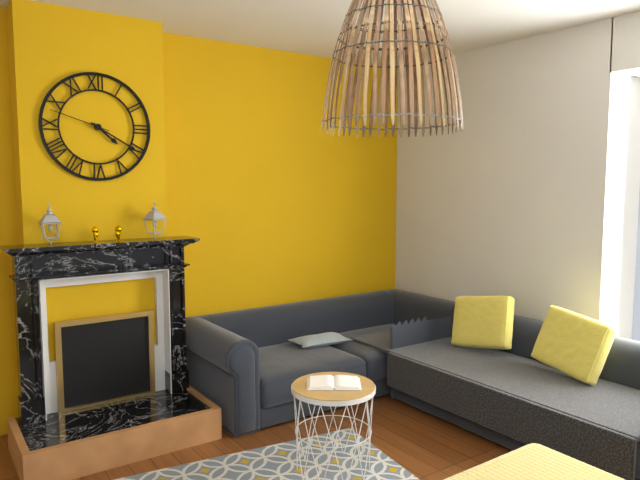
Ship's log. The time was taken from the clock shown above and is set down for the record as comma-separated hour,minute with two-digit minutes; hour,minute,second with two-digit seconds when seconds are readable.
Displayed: 4,20,48
